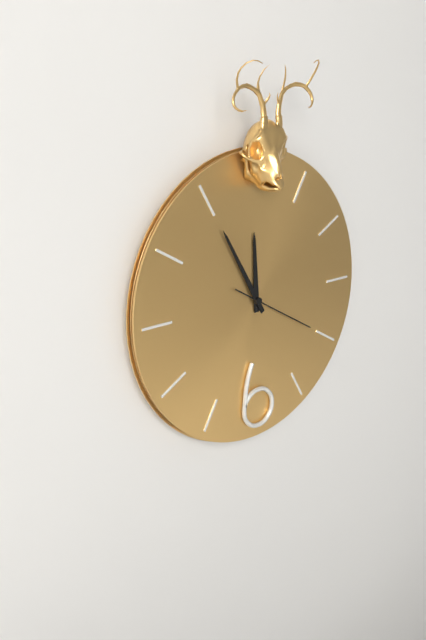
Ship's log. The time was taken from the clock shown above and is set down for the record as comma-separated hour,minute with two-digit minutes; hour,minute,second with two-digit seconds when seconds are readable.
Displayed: 11,55,20
